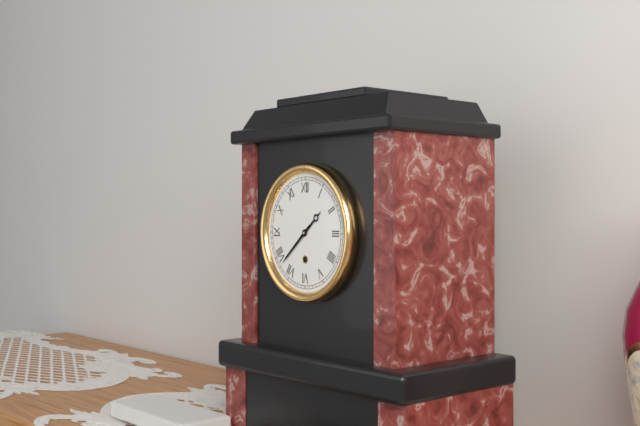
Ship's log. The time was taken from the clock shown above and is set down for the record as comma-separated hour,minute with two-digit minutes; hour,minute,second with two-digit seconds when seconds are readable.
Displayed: 1,38
